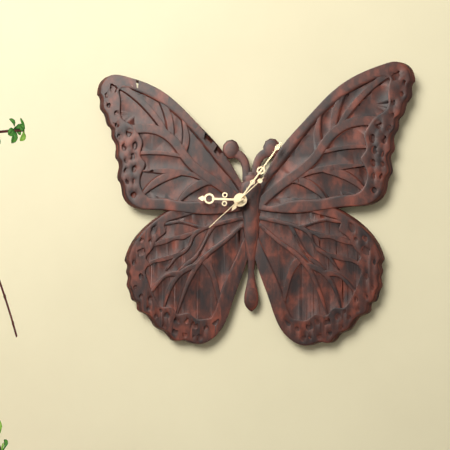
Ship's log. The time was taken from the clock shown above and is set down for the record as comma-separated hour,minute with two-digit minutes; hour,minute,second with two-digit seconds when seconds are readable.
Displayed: 9,06,38
